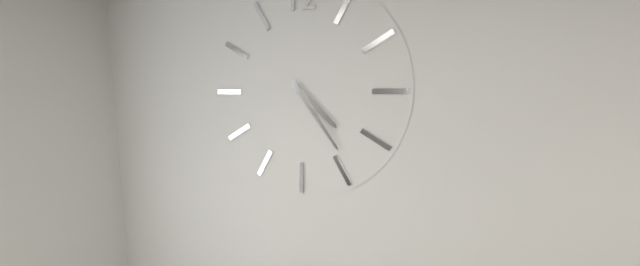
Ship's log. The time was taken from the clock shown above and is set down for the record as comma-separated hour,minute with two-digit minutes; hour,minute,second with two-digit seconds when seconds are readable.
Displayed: 4,24
